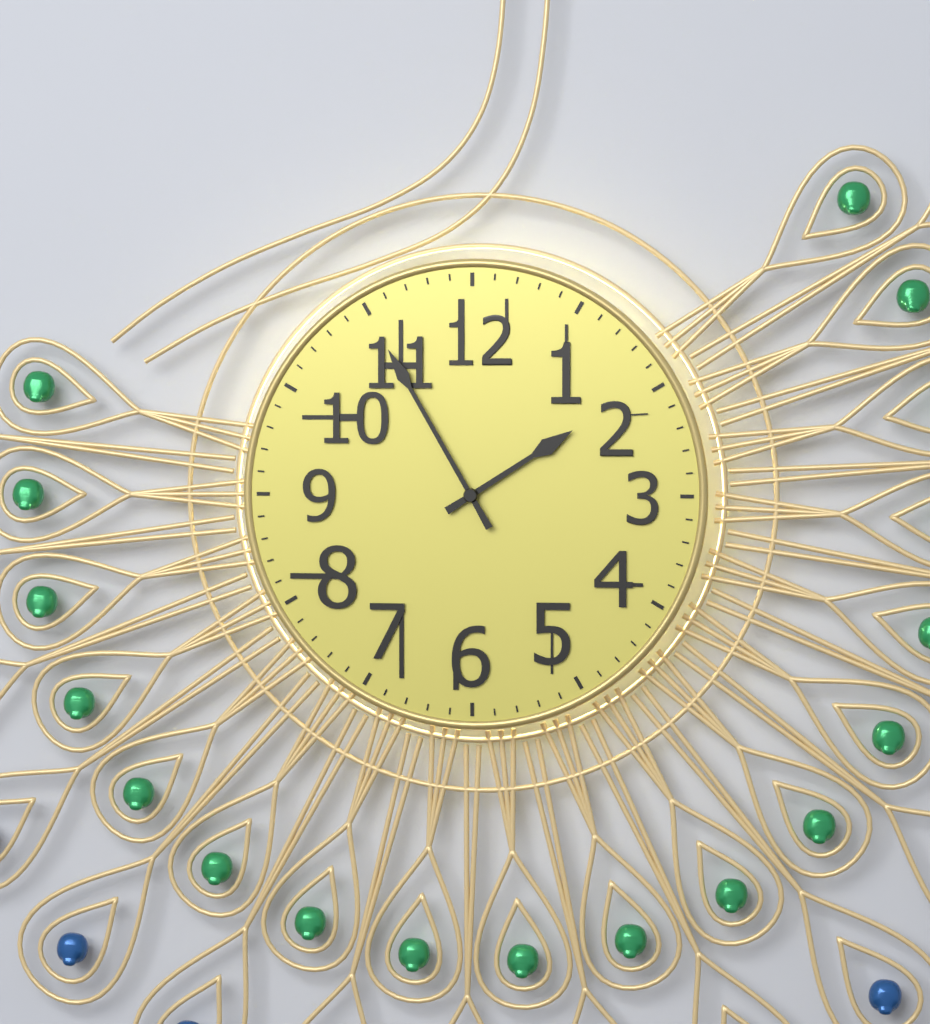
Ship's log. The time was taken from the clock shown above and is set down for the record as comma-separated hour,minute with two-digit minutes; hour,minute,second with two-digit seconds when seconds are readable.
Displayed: 1,55
